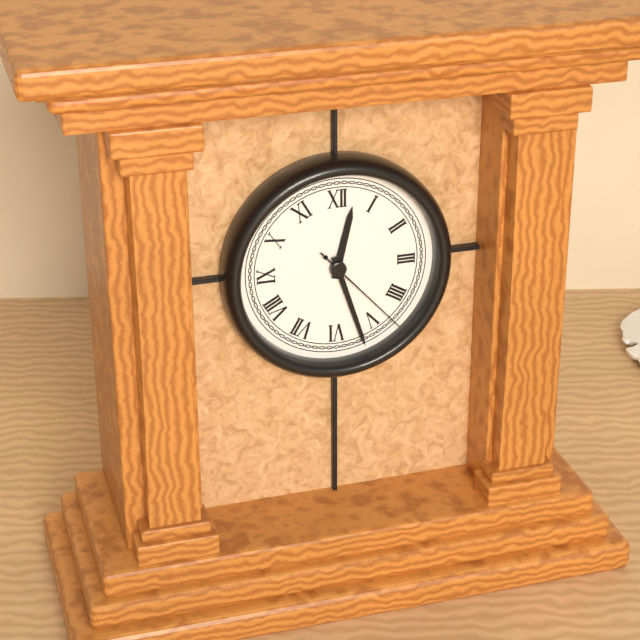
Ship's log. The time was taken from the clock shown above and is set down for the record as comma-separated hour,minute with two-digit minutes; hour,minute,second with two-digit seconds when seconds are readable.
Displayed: 12,27,23
